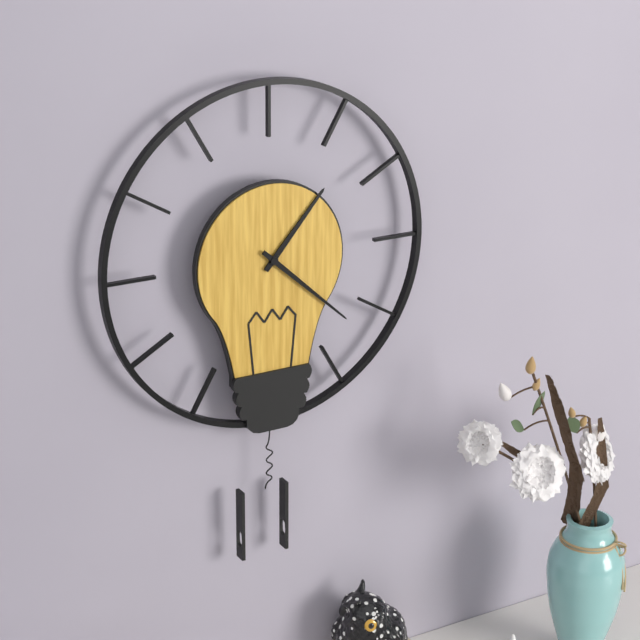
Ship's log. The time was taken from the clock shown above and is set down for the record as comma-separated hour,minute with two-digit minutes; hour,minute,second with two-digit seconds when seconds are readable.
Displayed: 1,22
